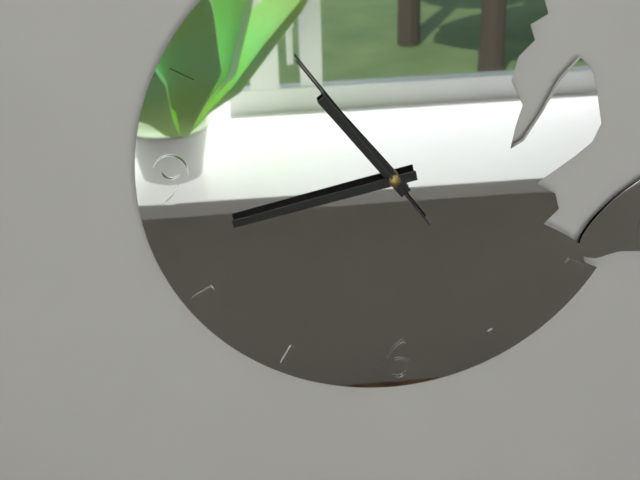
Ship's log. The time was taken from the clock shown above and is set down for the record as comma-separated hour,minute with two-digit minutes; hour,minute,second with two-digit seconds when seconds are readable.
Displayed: 10,43,54
